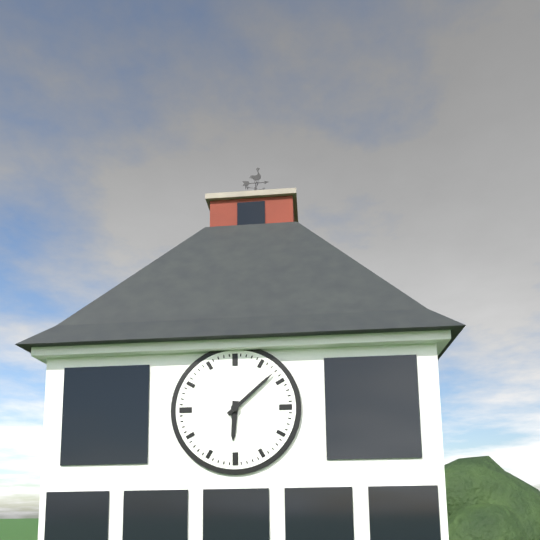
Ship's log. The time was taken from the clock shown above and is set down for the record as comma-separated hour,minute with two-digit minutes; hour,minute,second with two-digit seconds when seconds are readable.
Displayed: 6,08
